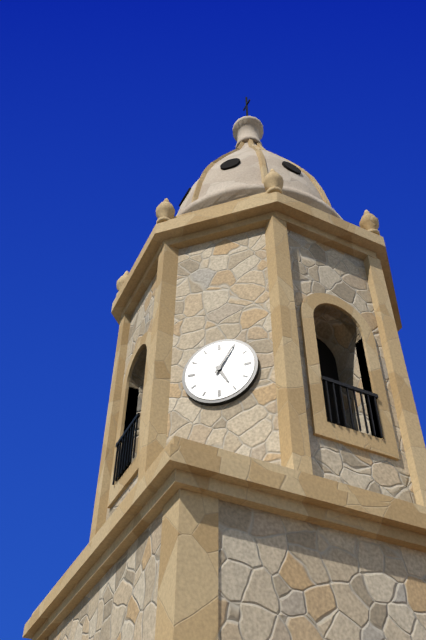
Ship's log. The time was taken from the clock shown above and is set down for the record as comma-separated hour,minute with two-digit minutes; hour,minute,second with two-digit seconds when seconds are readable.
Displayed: 5,05
